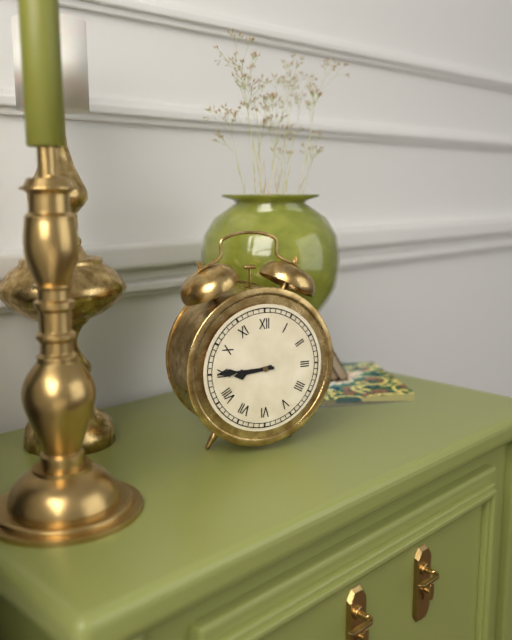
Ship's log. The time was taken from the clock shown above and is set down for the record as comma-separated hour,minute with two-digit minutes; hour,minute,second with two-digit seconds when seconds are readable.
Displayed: 8,45
